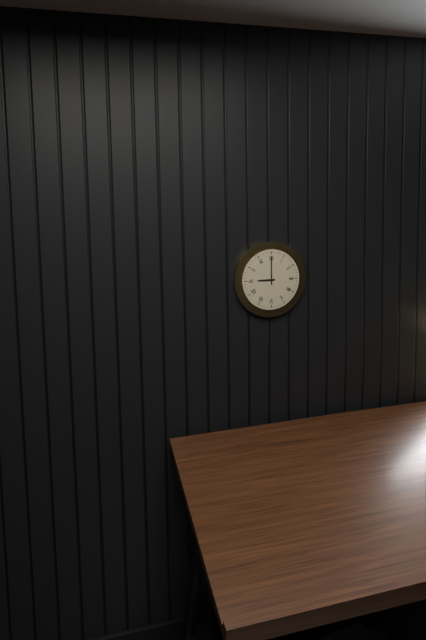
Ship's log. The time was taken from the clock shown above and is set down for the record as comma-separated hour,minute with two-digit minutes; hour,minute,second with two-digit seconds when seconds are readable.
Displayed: 9,00
